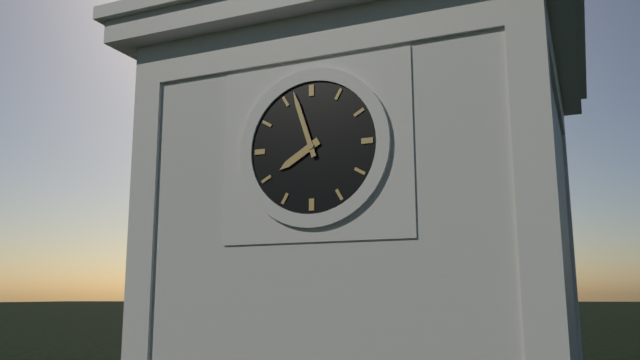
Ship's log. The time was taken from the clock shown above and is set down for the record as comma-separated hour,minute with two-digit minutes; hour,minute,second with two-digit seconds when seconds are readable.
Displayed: 7,57
